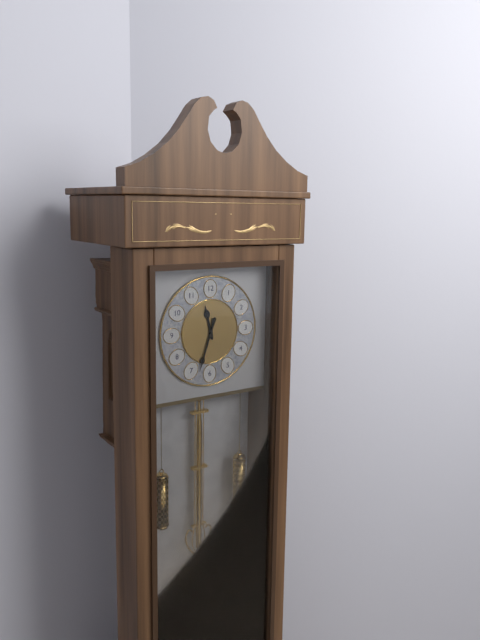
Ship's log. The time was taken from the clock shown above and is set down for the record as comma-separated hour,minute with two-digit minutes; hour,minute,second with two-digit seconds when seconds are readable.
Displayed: 11,33
